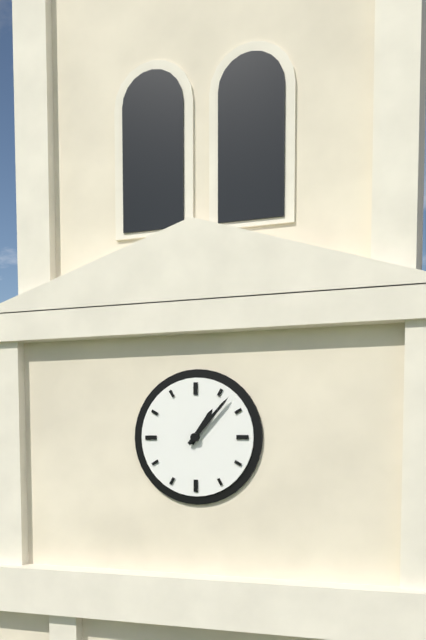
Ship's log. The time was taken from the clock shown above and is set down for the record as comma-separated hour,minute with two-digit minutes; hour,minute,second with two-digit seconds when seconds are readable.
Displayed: 1,07
